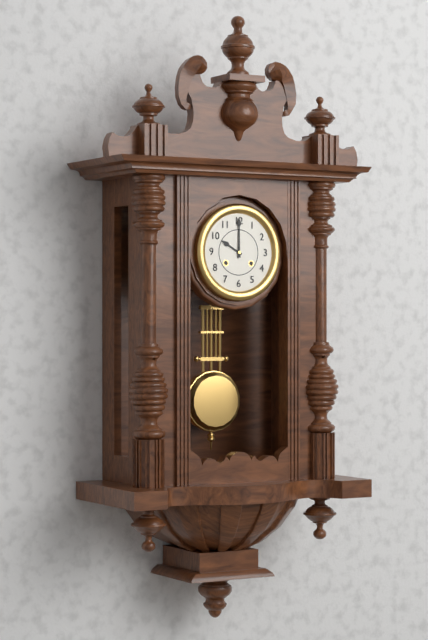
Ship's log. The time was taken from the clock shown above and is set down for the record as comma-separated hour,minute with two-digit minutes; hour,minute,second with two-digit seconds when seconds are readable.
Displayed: 10,00
